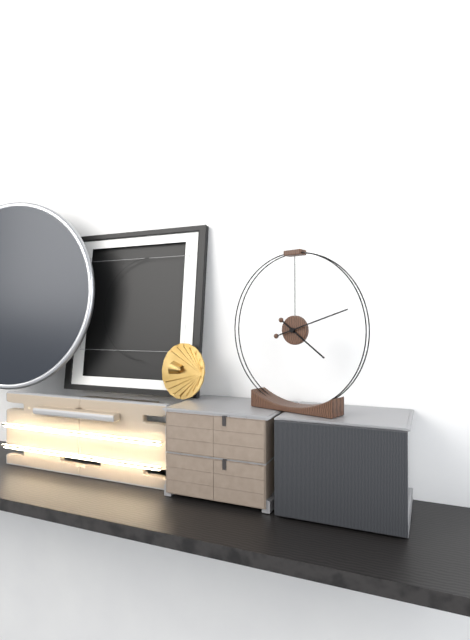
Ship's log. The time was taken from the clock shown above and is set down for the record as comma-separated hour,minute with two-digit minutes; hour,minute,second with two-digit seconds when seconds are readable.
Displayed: 4,12
